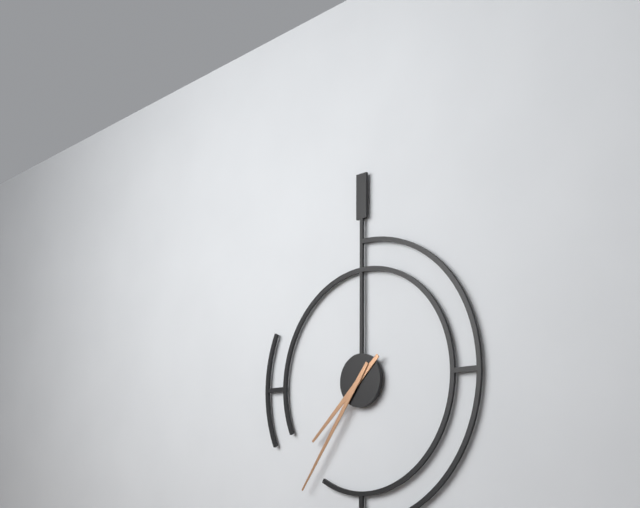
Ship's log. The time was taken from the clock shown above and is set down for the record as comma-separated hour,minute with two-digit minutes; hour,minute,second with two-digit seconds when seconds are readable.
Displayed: 7,36
